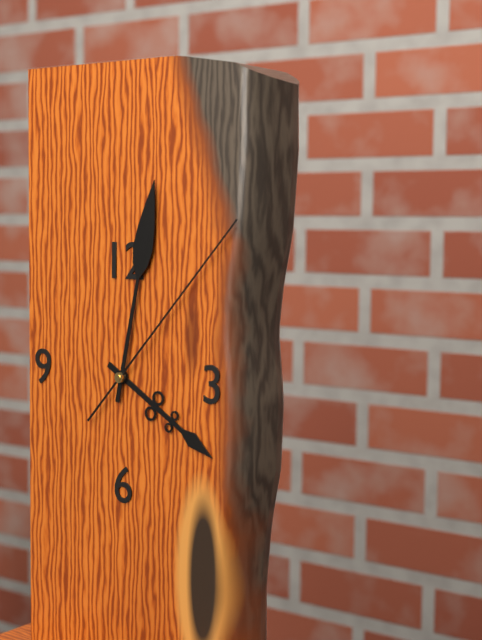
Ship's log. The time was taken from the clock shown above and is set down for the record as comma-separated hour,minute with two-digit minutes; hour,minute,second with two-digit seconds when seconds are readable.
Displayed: 4,02,07
